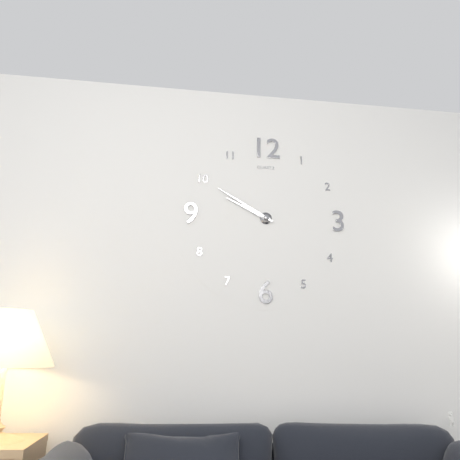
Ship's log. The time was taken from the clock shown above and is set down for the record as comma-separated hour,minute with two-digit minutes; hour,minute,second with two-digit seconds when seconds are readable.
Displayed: 9,50
